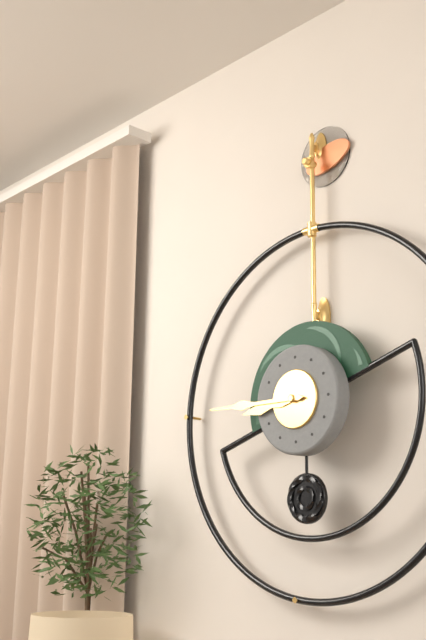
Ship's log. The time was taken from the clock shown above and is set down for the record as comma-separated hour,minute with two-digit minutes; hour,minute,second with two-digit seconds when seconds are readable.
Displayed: 8,45
